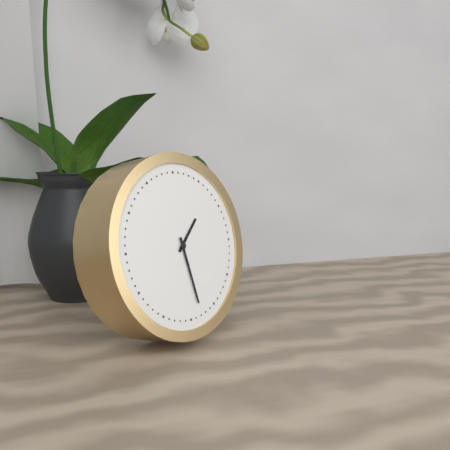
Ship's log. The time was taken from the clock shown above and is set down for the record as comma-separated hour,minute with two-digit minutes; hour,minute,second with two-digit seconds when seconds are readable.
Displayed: 1,28
